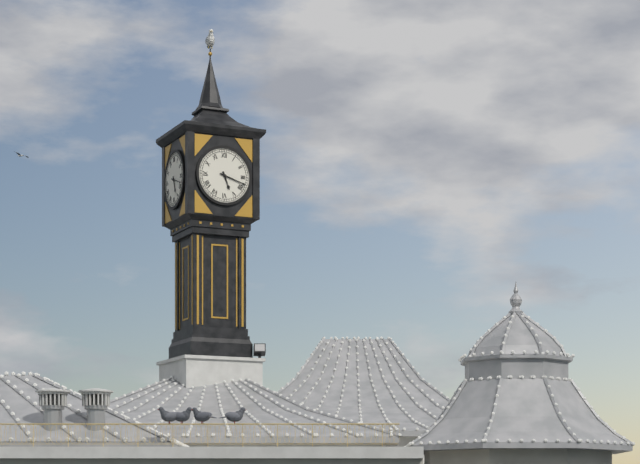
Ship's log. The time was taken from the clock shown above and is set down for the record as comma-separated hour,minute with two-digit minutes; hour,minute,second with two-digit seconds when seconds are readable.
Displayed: 5,18
